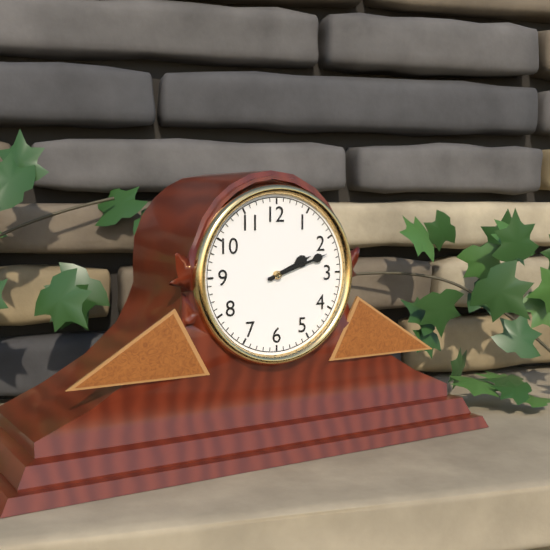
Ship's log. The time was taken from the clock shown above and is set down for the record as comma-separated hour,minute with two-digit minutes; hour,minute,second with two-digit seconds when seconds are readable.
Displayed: 2,12
